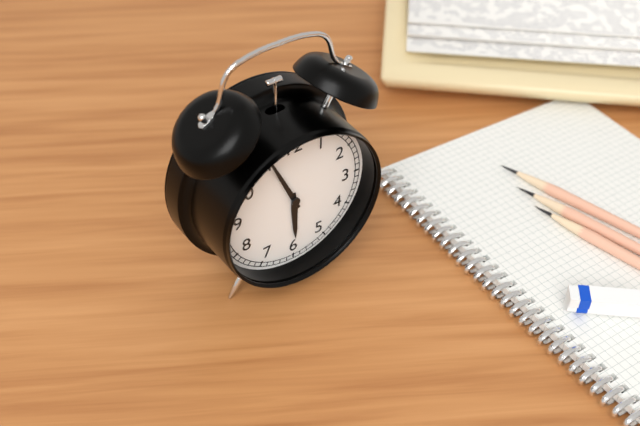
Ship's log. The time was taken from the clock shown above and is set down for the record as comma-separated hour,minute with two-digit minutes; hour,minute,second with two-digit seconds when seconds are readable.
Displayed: 5,56
